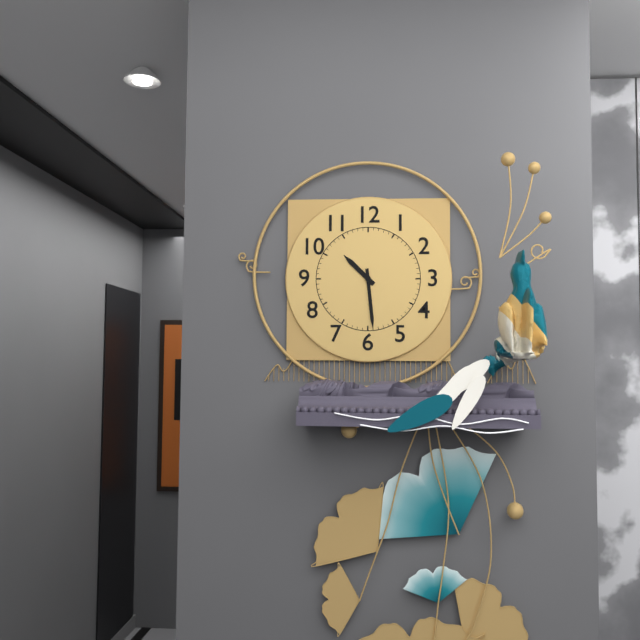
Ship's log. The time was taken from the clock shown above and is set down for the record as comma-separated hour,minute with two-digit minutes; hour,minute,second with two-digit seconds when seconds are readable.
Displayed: 10,29
